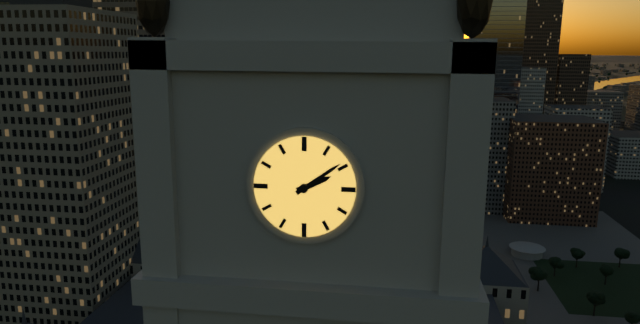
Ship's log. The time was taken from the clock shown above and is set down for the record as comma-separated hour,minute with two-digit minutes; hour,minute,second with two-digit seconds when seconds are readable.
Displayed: 2,09
